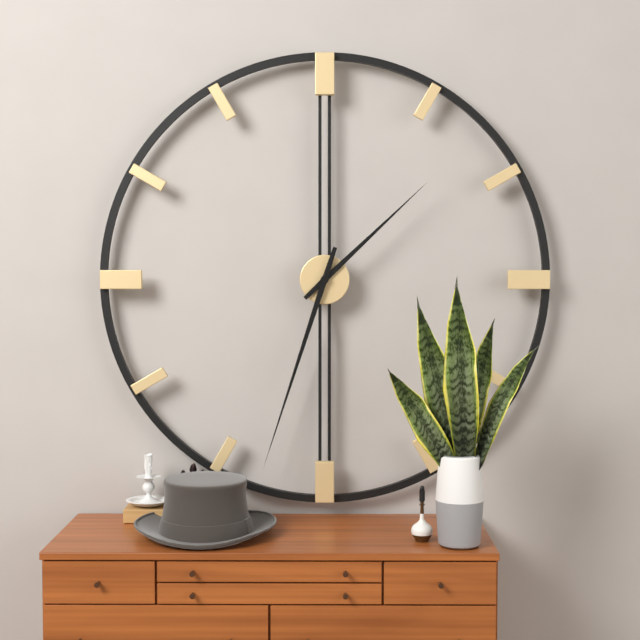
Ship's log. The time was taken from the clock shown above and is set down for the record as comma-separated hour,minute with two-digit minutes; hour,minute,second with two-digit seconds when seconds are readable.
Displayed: 1,33
